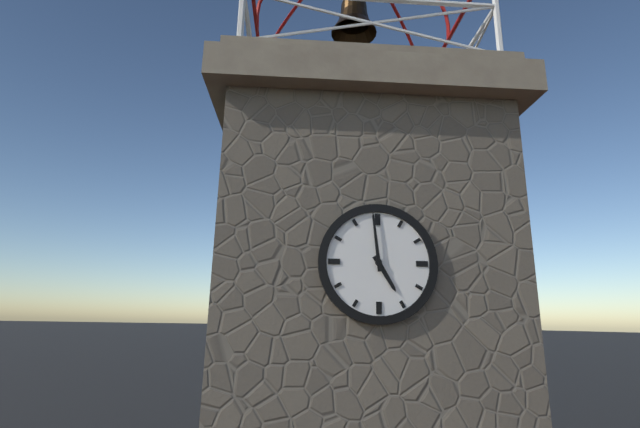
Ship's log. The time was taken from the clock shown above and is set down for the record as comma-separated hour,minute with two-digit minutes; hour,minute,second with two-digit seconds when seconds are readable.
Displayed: 4,59
